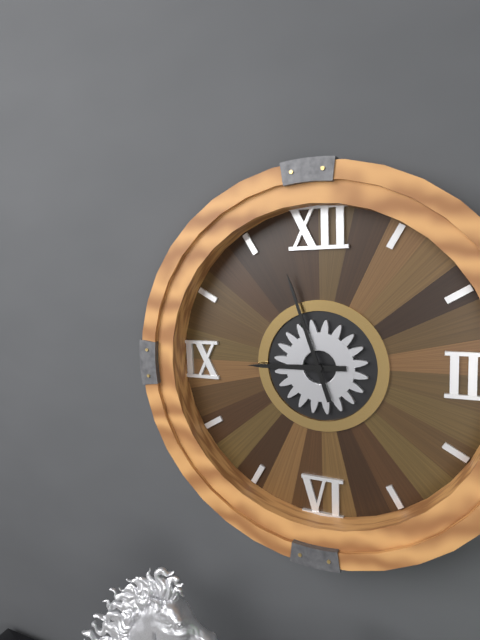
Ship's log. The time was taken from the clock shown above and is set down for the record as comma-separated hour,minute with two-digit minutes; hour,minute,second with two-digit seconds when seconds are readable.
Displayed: 8,57
